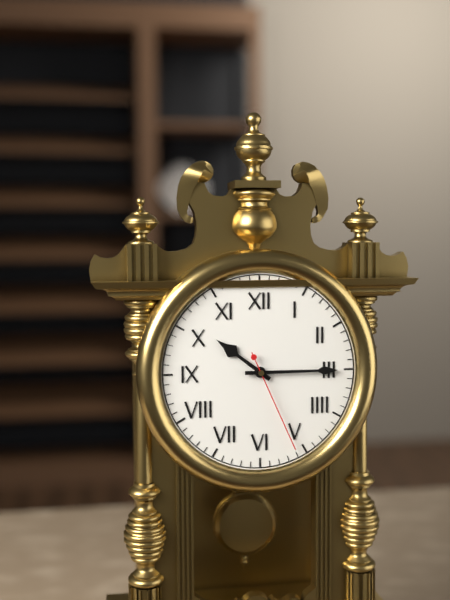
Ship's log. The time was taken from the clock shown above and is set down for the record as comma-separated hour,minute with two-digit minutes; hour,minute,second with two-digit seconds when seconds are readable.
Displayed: 10,15,26
